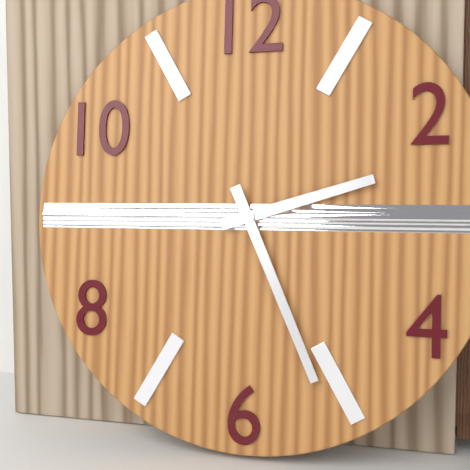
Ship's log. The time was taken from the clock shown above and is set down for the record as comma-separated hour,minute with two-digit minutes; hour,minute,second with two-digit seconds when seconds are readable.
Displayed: 2,26
